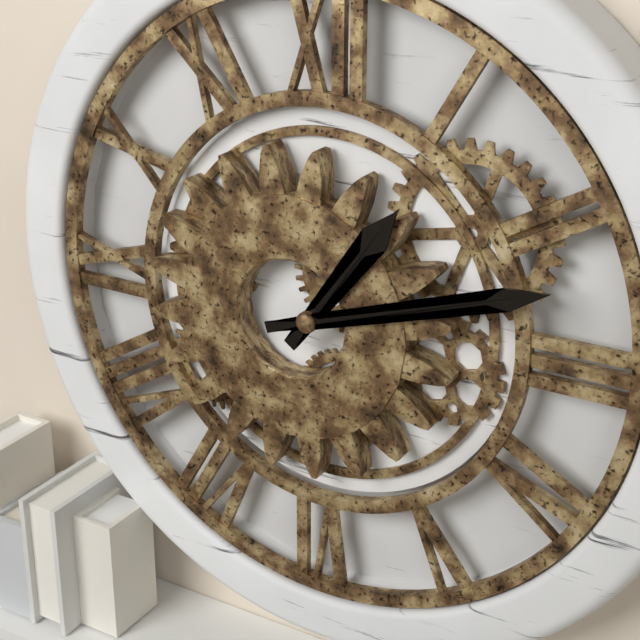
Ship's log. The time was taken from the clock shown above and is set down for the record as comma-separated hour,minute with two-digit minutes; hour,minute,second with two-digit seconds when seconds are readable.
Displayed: 1,12
